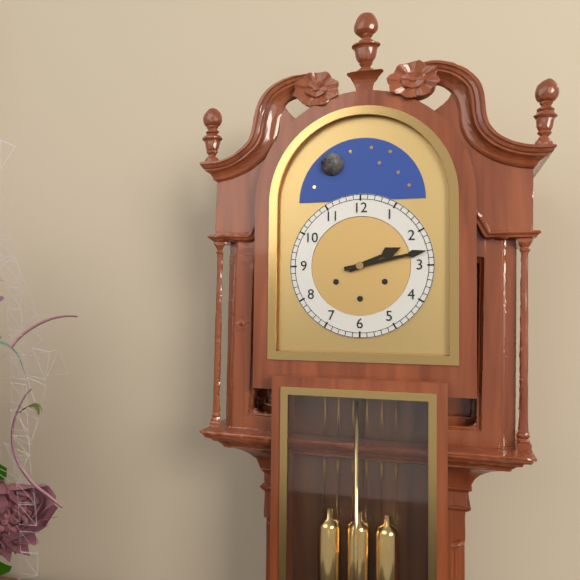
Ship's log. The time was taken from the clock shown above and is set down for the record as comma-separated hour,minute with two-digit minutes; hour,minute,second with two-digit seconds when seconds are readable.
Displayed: 2,13
